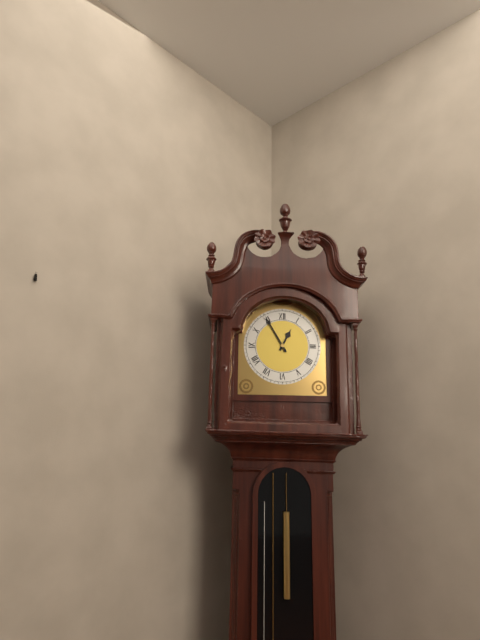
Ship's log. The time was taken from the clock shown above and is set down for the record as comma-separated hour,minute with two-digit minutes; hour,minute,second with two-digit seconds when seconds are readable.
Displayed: 12,55
